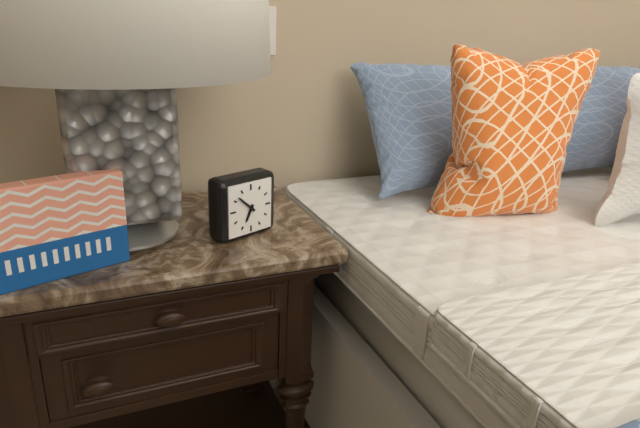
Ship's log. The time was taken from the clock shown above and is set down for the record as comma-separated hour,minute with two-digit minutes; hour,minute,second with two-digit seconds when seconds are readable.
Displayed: 6,52
